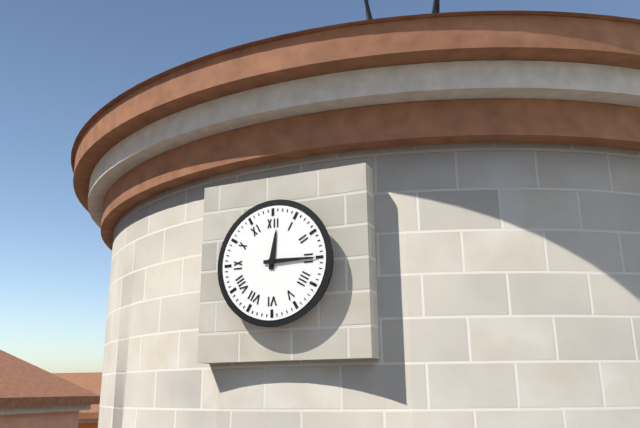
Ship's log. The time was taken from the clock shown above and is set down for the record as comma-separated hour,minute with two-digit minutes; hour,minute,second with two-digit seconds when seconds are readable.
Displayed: 12,15
